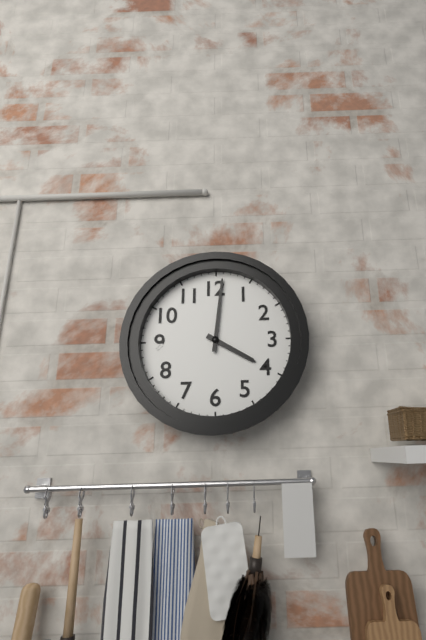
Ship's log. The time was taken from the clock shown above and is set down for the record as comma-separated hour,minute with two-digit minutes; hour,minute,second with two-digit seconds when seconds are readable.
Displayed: 4,01
